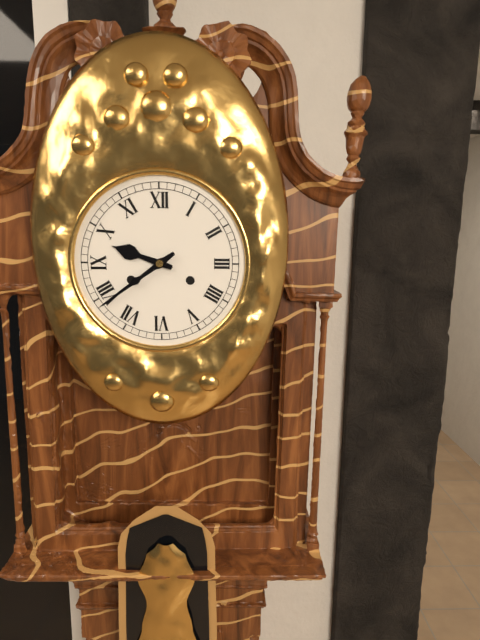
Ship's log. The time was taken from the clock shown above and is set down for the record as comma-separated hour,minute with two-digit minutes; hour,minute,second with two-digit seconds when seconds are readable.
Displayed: 9,39
